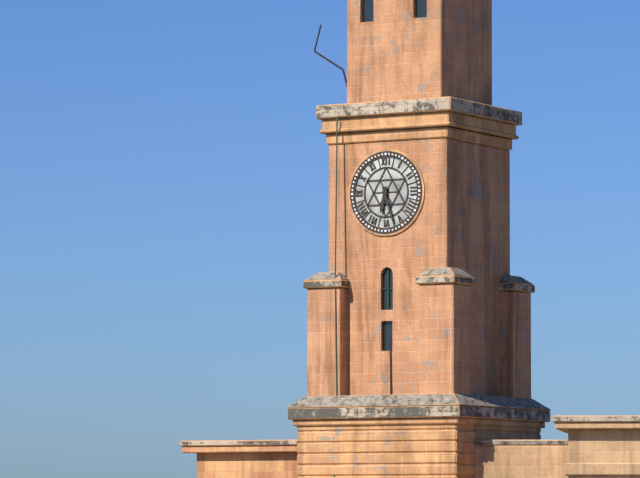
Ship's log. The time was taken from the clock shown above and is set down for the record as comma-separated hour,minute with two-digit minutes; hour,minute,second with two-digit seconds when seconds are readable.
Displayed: 6,27
